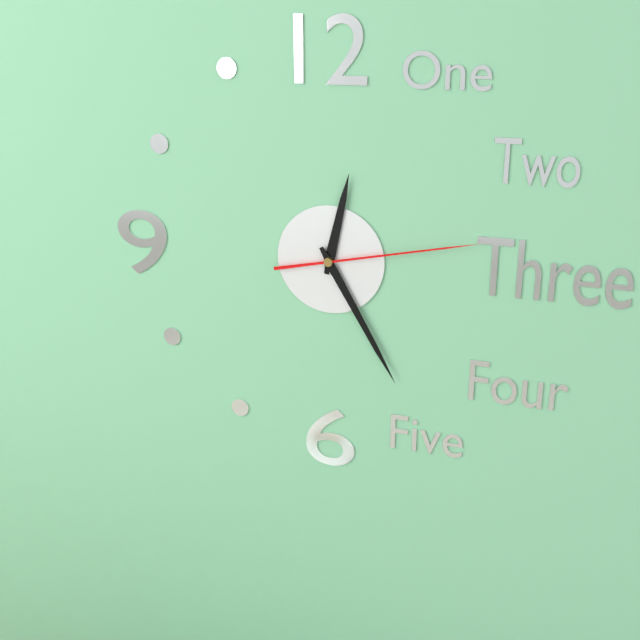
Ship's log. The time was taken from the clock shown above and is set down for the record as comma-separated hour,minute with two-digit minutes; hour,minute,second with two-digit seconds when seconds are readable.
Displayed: 12,25,13
